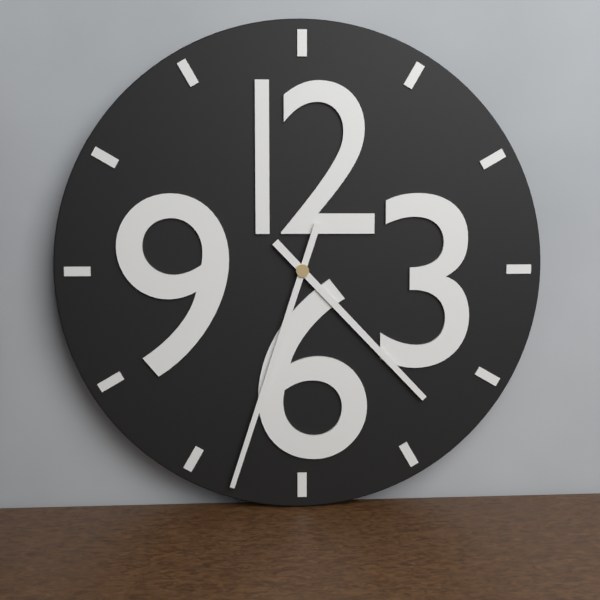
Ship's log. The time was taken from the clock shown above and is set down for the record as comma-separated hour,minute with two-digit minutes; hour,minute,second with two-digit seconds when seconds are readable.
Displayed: 4,33
